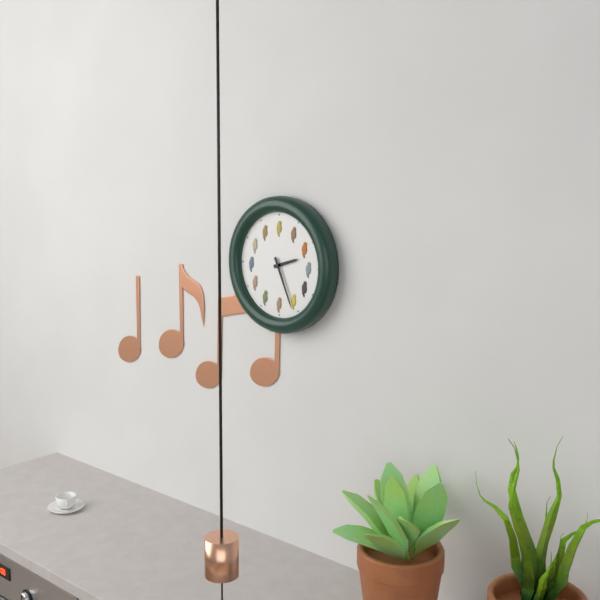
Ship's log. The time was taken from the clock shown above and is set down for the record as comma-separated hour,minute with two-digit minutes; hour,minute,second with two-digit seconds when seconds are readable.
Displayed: 2,26
